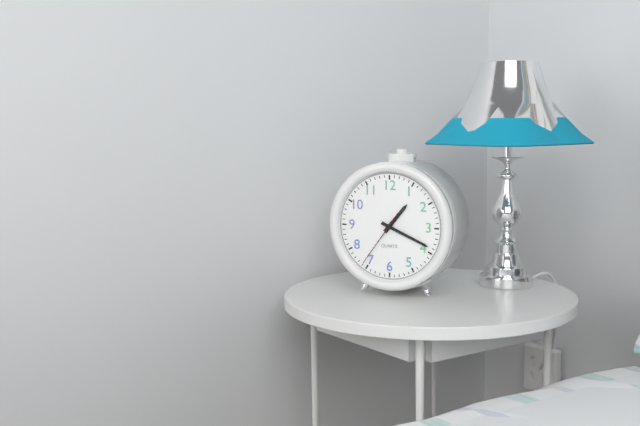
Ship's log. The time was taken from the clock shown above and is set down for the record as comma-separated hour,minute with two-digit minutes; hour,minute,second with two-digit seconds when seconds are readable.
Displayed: 1,19,36
